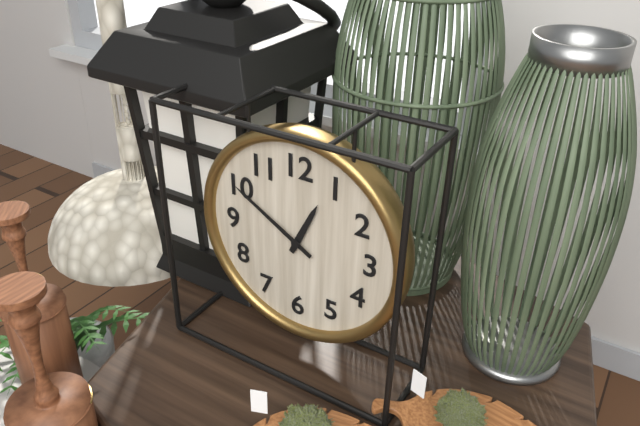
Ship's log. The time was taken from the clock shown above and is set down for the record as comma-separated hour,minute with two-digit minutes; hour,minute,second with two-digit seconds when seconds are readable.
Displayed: 12,50
